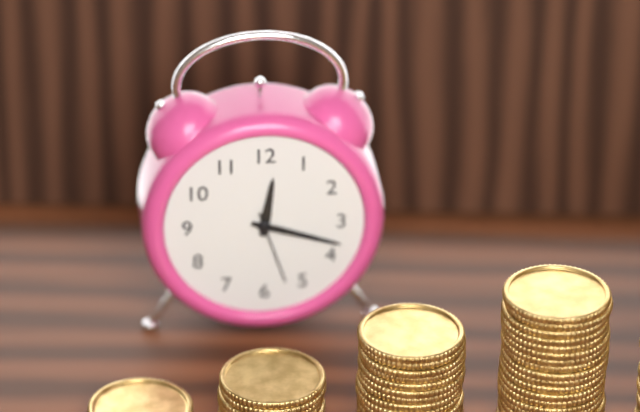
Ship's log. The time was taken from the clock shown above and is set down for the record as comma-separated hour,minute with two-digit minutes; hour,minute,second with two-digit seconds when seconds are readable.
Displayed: 12,18,27
